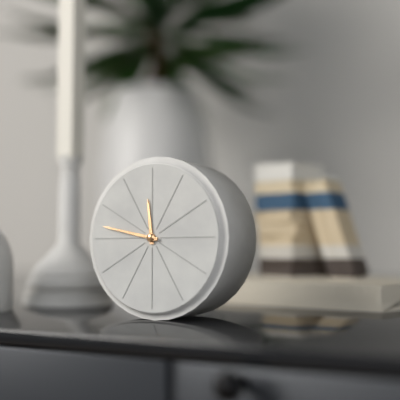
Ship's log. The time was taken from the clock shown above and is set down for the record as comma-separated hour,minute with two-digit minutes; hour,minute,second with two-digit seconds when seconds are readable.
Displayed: 11,47
